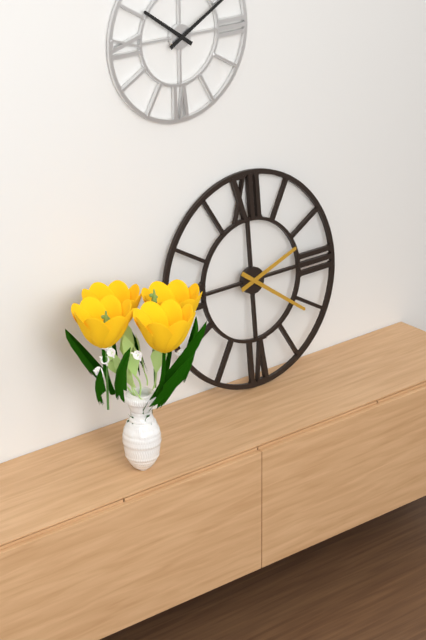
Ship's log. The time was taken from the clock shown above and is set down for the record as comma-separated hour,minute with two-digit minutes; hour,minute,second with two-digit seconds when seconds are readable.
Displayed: 2,21
